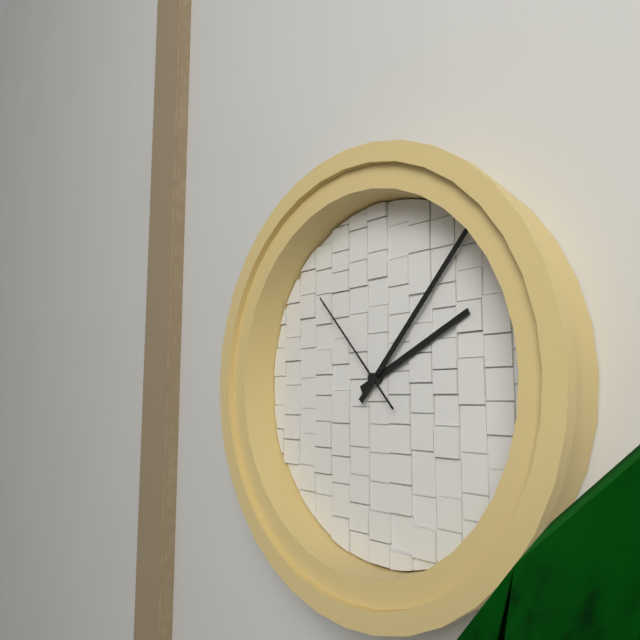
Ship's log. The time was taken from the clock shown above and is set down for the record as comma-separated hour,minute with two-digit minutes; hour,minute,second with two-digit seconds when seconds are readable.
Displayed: 2,07,53
